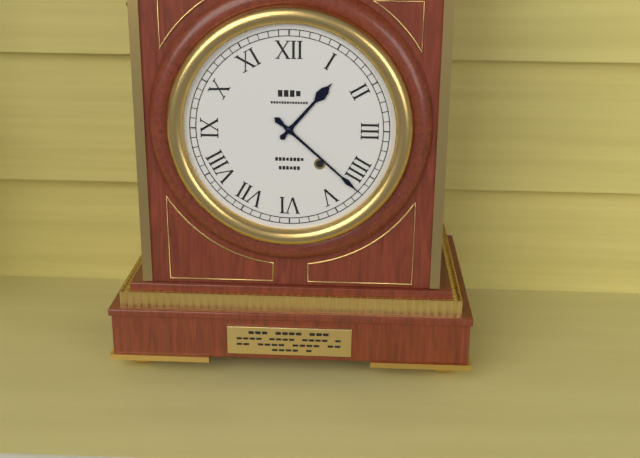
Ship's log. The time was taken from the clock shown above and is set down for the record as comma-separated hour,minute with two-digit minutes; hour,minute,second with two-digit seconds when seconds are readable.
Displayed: 1,22
